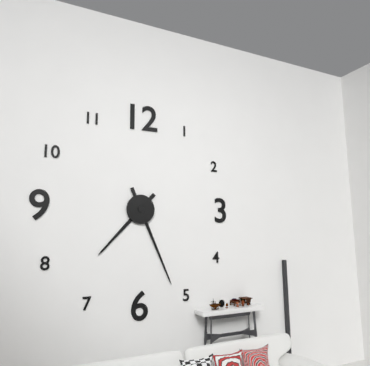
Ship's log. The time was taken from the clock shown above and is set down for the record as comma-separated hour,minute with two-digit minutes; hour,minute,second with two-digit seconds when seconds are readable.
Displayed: 7,26
